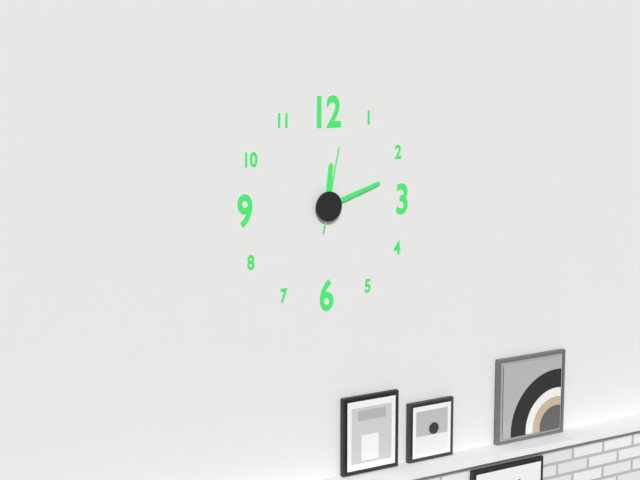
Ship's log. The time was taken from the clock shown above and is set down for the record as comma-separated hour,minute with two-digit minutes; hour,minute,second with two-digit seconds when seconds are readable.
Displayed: 12,12,02
